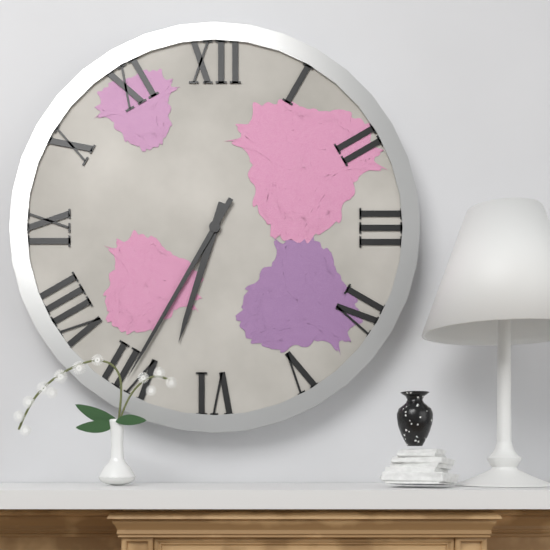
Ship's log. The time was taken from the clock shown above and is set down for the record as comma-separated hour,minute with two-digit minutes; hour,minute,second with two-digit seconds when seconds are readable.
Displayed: 6,35
